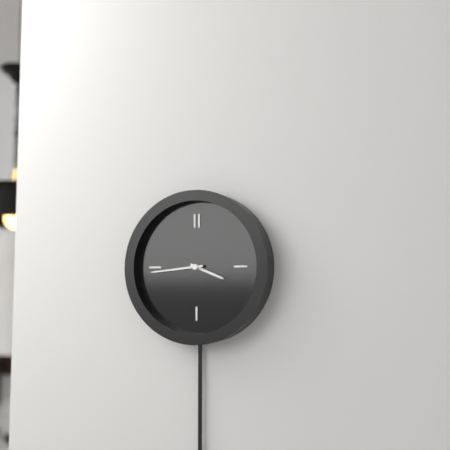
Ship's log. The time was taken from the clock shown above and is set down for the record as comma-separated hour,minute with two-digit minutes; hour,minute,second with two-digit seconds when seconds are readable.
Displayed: 3,44
